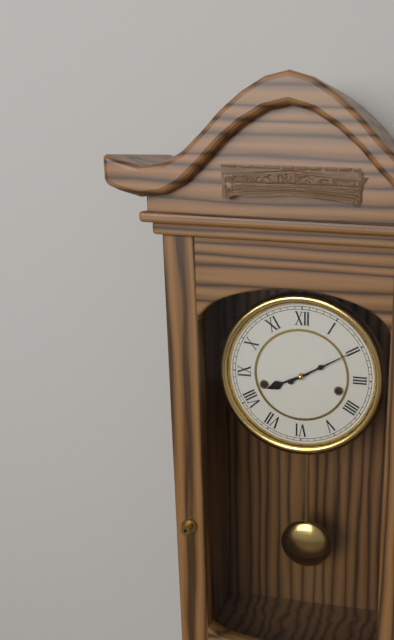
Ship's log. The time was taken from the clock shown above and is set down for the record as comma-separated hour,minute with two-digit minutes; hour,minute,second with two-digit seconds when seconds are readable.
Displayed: 8,10
